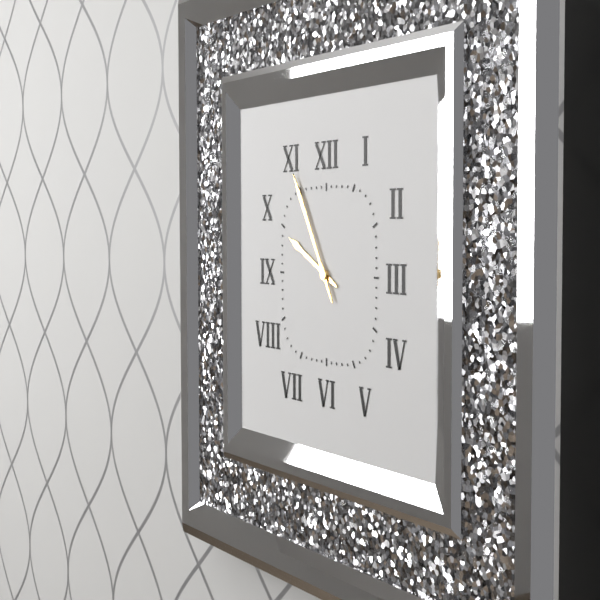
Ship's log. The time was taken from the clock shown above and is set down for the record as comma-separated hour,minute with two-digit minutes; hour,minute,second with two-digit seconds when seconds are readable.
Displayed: 9,55
